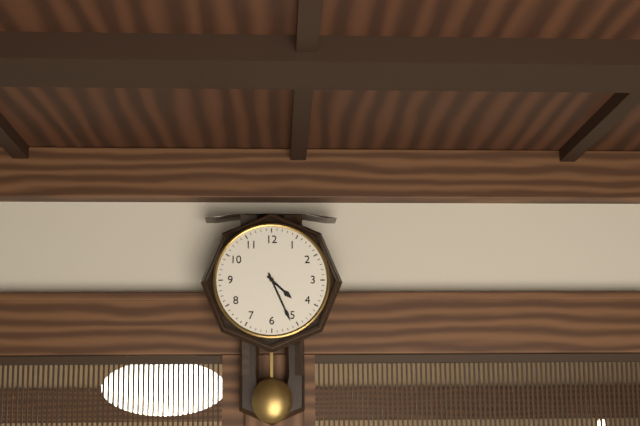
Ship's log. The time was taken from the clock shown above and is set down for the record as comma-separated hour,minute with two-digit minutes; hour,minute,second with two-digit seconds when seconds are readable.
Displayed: 4,26
